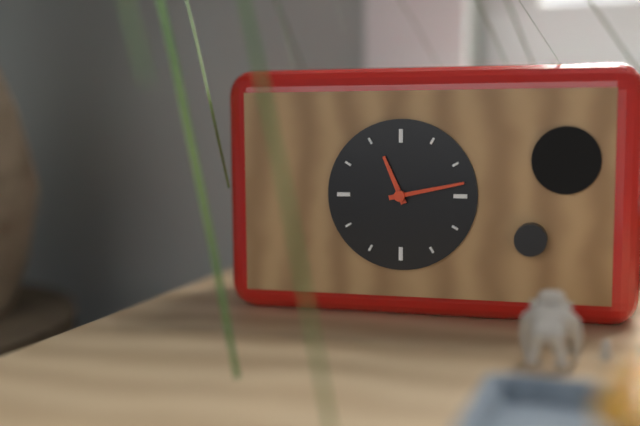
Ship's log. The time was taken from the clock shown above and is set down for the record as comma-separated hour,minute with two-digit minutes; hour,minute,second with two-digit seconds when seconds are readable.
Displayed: 11,13
